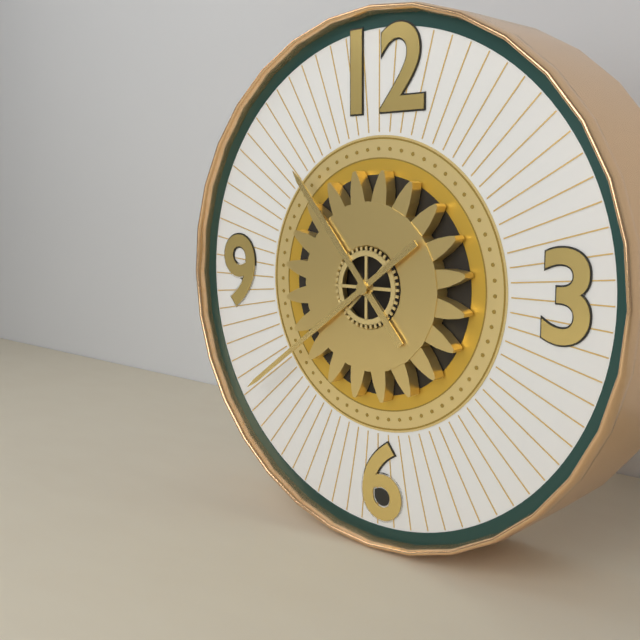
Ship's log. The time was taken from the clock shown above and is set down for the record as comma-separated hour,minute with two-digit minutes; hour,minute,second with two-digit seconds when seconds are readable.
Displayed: 10,39
